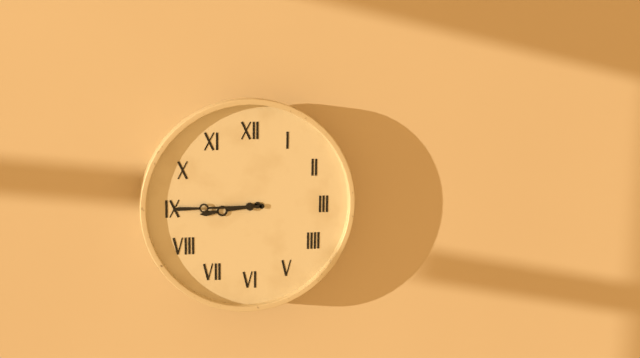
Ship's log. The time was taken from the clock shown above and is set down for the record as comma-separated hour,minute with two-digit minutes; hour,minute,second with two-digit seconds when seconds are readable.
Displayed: 8,45
